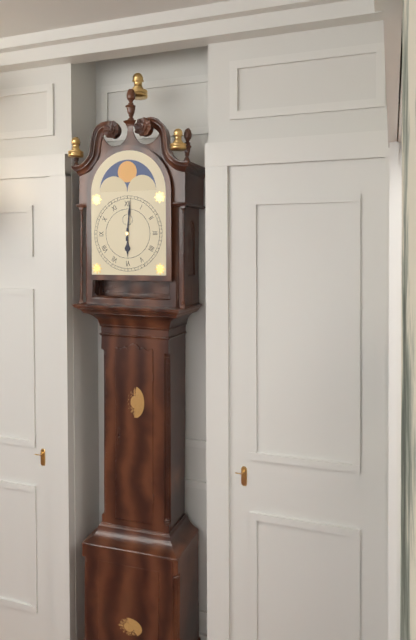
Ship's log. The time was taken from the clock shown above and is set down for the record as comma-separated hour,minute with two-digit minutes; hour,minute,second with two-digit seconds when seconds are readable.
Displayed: 6,01
